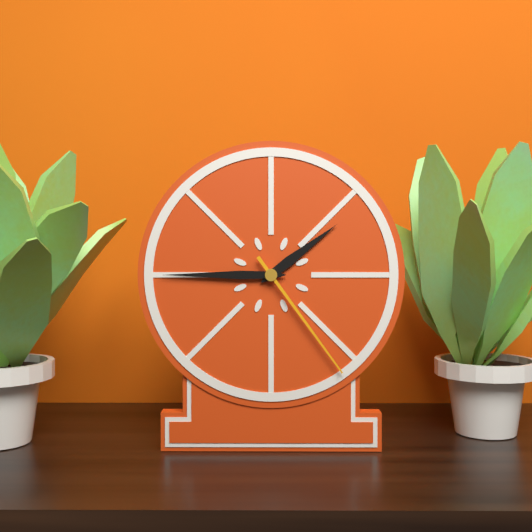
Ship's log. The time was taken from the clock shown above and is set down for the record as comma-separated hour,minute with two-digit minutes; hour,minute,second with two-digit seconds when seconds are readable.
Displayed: 1,45,24
